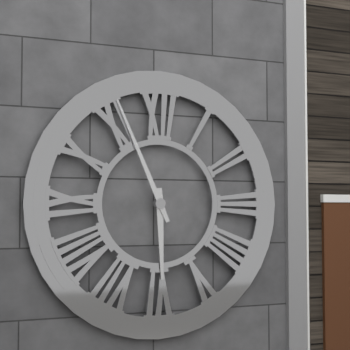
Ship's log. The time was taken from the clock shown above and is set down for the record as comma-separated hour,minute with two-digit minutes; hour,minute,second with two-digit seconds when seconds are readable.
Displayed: 5,56
